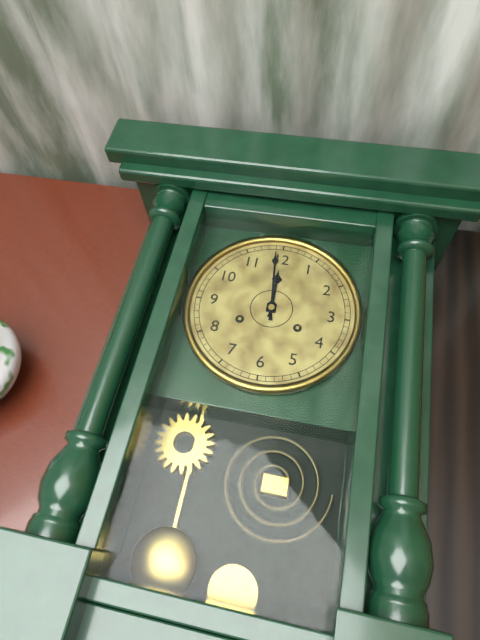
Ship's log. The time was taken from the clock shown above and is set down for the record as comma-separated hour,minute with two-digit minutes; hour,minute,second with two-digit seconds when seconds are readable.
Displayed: 11,59
